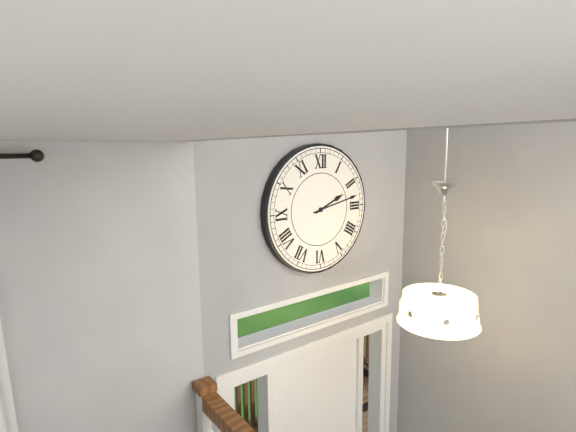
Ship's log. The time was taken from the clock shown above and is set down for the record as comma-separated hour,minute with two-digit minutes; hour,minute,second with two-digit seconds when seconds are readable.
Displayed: 2,13
